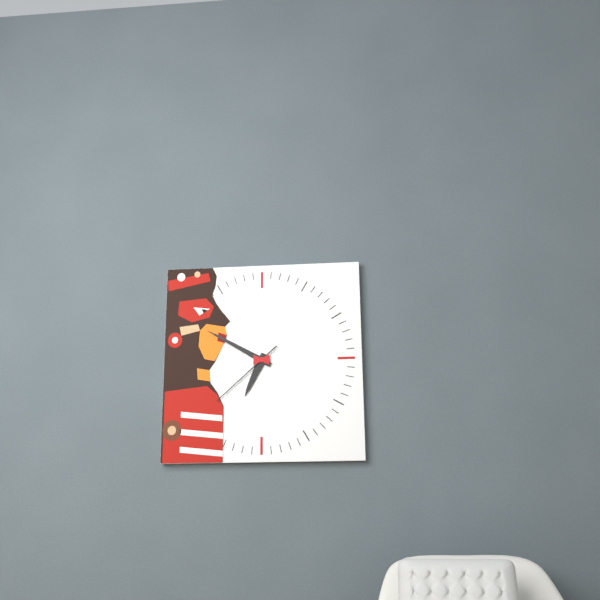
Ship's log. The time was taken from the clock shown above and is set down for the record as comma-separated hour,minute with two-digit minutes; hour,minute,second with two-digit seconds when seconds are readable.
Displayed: 6,50,38
